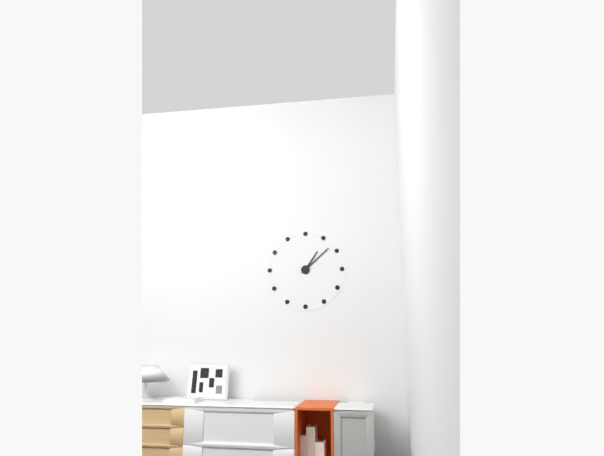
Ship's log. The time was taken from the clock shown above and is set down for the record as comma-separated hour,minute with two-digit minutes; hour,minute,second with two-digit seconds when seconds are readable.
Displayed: 1,08
